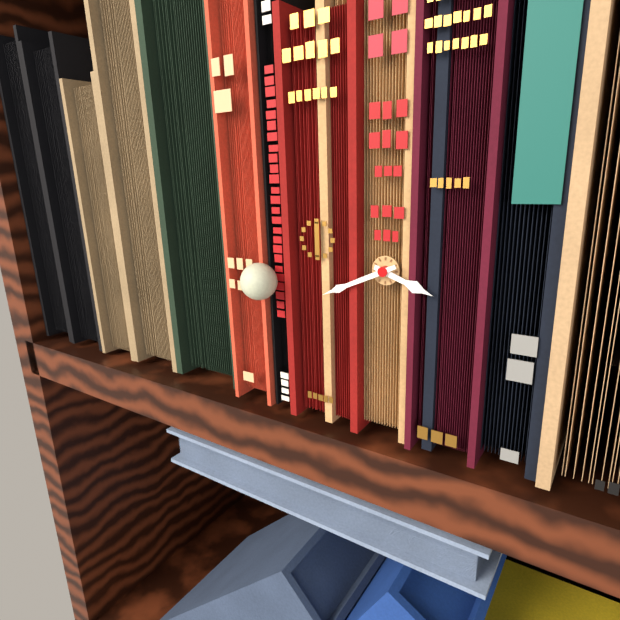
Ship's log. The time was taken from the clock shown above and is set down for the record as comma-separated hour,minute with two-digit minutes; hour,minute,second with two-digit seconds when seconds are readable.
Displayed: 3,41
